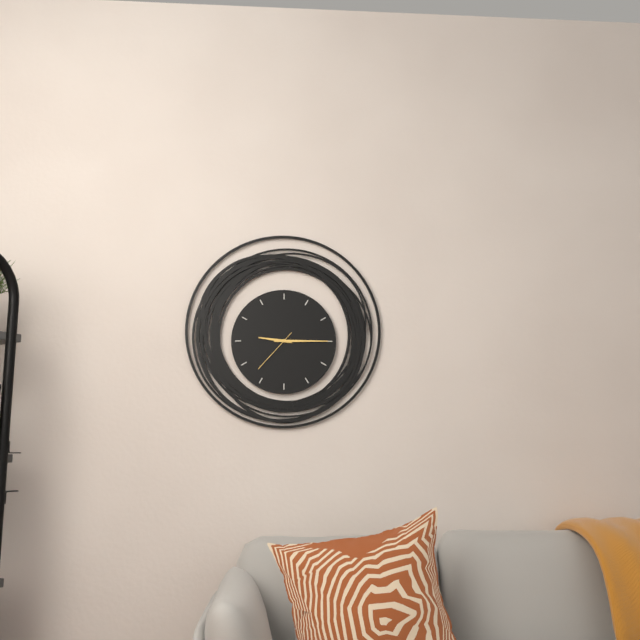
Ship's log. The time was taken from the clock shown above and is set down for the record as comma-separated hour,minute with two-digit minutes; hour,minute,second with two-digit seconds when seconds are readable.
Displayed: 9,15
